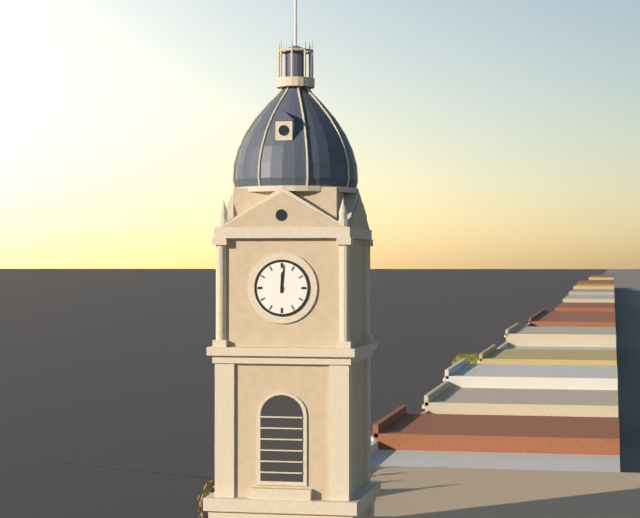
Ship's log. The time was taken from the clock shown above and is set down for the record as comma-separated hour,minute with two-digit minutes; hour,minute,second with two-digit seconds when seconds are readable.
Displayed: 12,01
